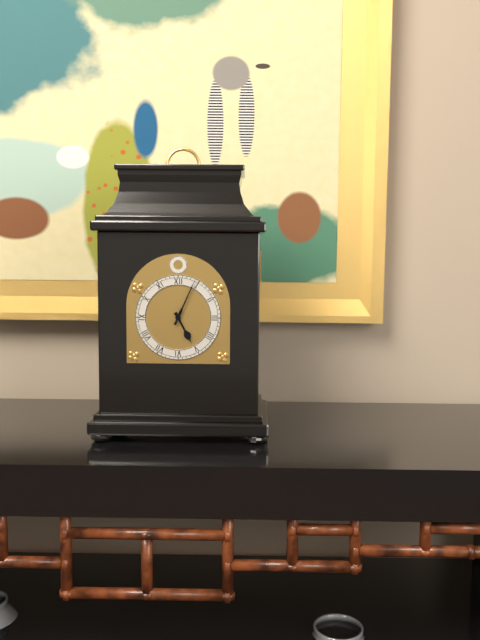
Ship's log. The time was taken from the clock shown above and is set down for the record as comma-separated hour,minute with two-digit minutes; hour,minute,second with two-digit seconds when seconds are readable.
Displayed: 5,04
